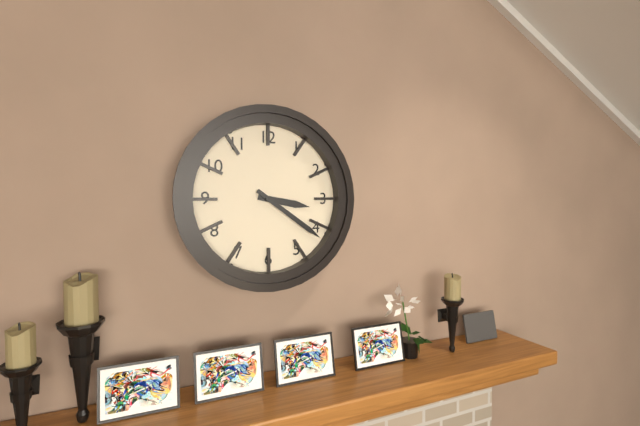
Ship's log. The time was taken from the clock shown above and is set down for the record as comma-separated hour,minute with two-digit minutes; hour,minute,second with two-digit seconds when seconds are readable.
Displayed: 3,21
